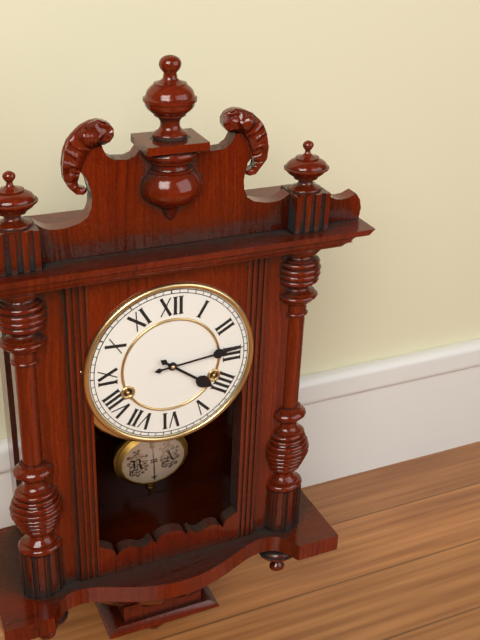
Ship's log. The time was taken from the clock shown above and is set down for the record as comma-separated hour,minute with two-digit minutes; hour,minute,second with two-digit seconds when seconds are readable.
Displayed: 4,14
